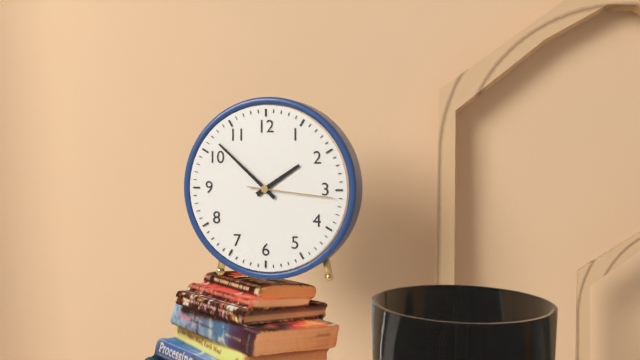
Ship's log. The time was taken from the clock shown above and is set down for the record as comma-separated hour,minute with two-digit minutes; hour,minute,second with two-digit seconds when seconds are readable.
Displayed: 1,52,16
